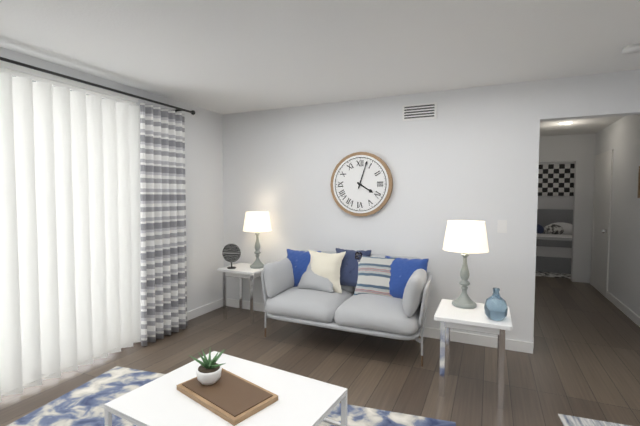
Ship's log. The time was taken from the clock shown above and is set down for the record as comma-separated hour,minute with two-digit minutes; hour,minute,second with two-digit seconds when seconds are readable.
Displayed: 4,03
